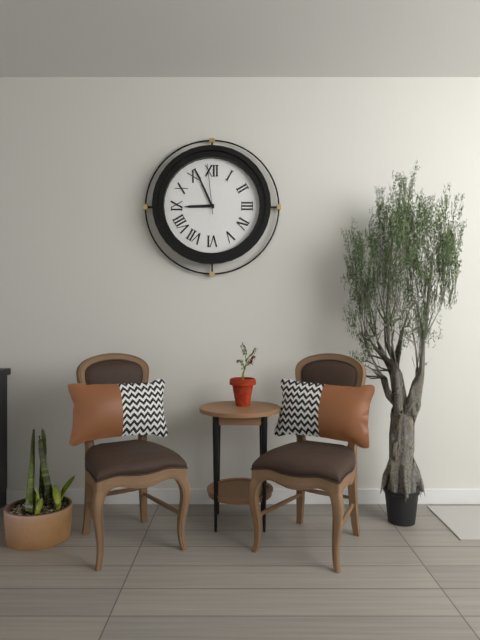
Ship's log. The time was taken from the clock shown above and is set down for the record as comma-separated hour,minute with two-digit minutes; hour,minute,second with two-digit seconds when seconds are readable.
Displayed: 8,56,59
